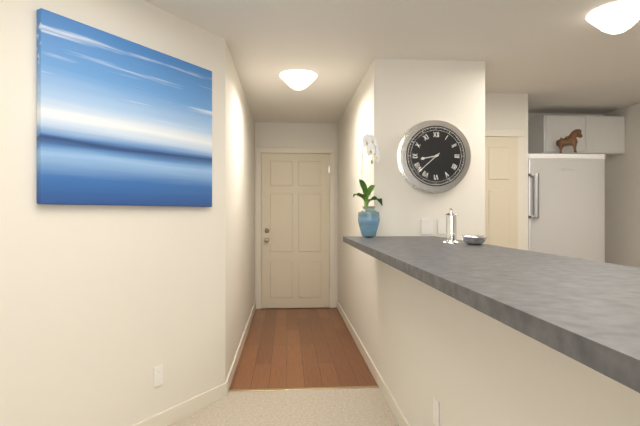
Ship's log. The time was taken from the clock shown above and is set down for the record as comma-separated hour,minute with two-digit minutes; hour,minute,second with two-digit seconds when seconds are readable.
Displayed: 8,38
